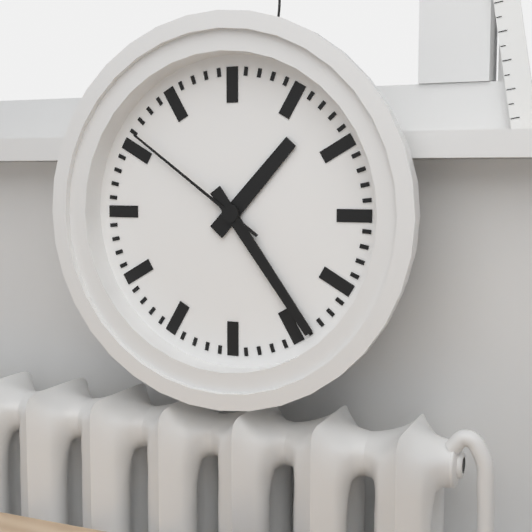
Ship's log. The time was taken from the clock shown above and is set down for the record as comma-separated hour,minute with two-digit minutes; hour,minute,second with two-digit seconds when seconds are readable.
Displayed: 1,24,51
